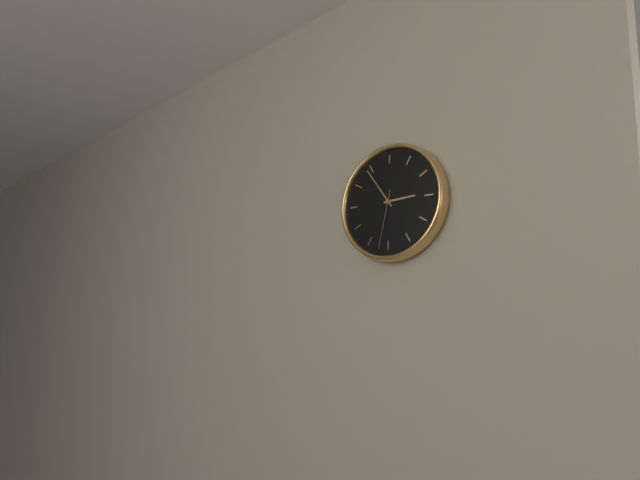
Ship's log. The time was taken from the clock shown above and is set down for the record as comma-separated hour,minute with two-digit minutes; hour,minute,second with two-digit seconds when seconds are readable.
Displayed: 2,54,32
